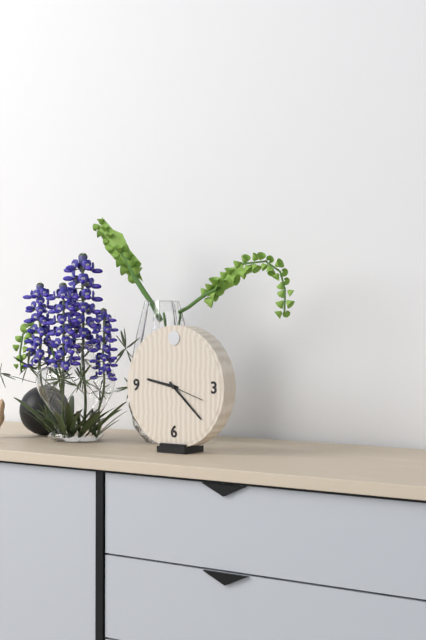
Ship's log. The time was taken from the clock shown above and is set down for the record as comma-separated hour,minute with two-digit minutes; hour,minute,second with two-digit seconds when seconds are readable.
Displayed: 9,22
